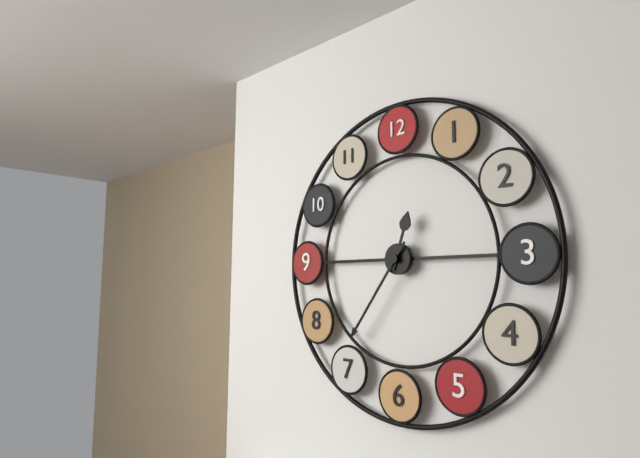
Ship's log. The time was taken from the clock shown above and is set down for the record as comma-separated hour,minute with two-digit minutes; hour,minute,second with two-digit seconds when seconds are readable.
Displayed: 12,36
